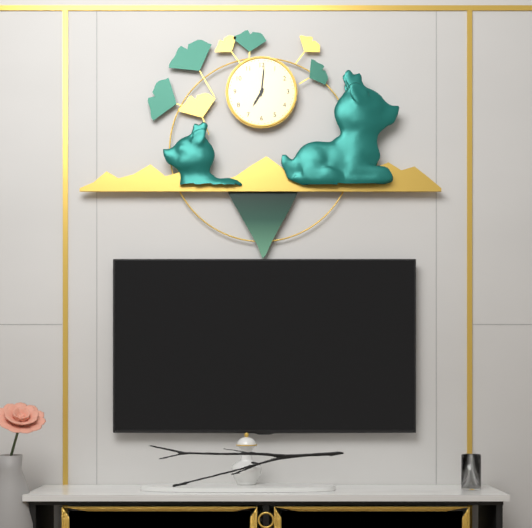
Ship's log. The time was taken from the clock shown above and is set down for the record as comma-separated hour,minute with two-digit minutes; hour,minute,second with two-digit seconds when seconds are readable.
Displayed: 7,01
